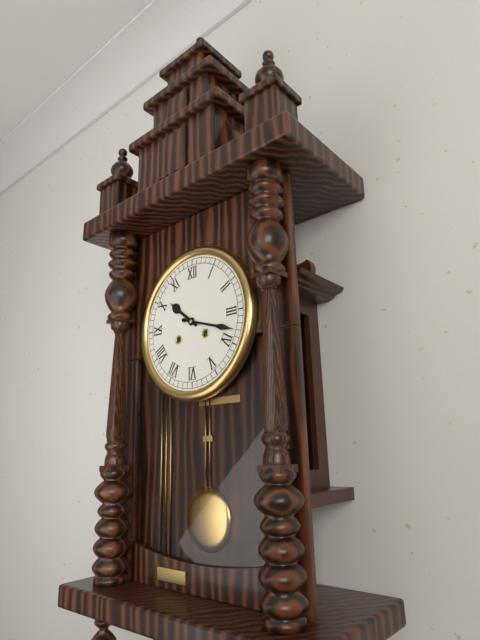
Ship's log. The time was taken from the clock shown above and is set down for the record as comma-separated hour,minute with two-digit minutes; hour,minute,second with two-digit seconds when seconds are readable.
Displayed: 10,18
